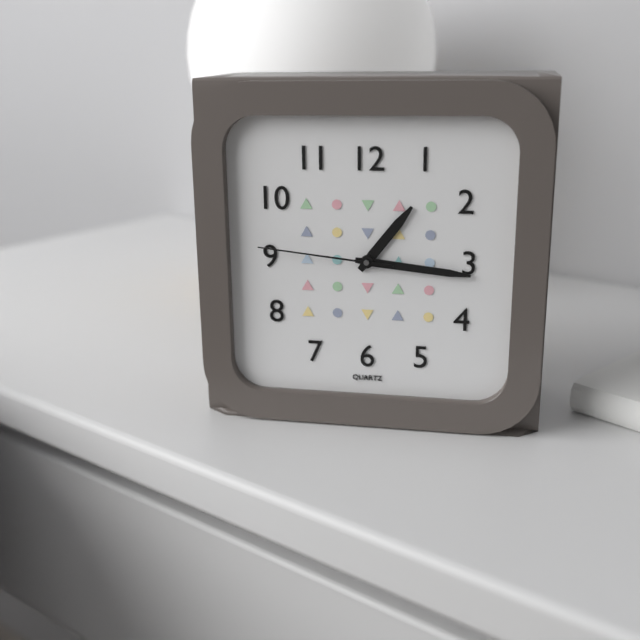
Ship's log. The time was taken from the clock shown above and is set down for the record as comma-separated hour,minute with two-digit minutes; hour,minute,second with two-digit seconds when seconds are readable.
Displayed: 1,16,46
